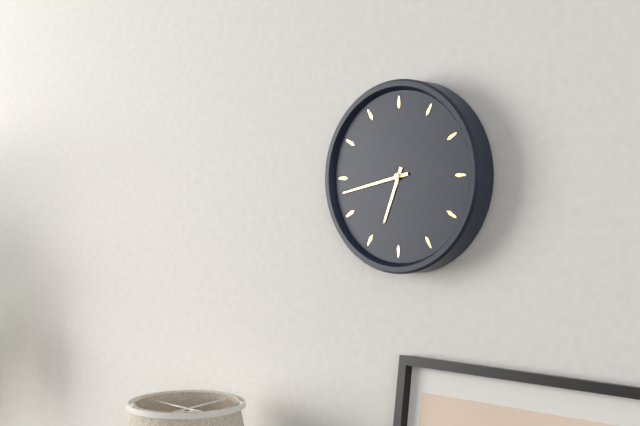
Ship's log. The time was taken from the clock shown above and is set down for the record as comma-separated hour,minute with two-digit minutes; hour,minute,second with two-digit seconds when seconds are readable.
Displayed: 6,43
